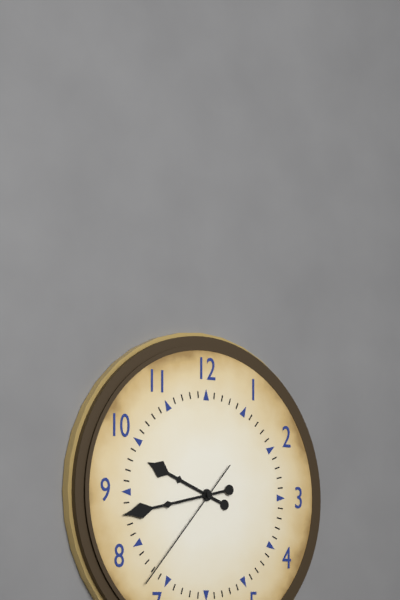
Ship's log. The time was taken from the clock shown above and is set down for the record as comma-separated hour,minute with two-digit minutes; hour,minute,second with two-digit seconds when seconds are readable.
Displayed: 9,43,37
